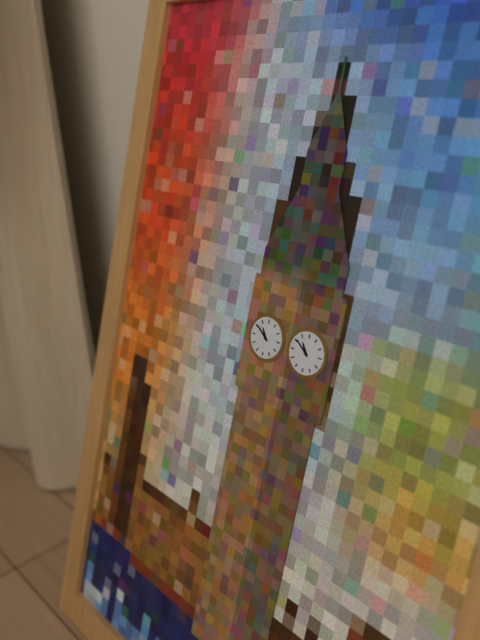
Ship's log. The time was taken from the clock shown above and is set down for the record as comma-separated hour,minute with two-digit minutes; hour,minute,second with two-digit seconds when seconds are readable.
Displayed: 10,51
